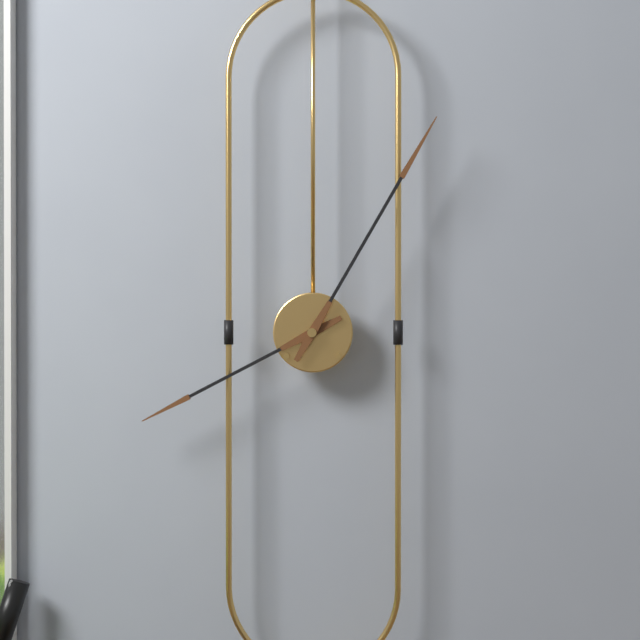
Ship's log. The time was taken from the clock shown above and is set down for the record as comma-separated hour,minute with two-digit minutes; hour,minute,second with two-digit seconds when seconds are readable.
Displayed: 8,05
